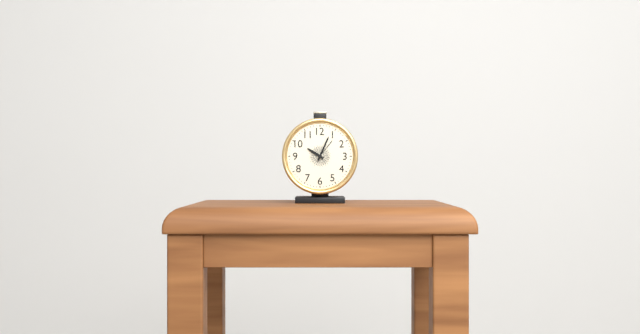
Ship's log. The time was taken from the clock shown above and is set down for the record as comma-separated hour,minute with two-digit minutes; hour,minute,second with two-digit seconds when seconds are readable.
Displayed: 10,04
